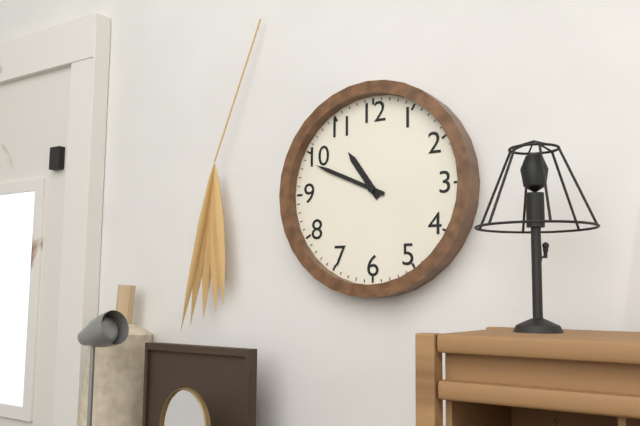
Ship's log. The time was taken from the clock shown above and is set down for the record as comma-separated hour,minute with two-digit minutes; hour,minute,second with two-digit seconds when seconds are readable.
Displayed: 10,49
